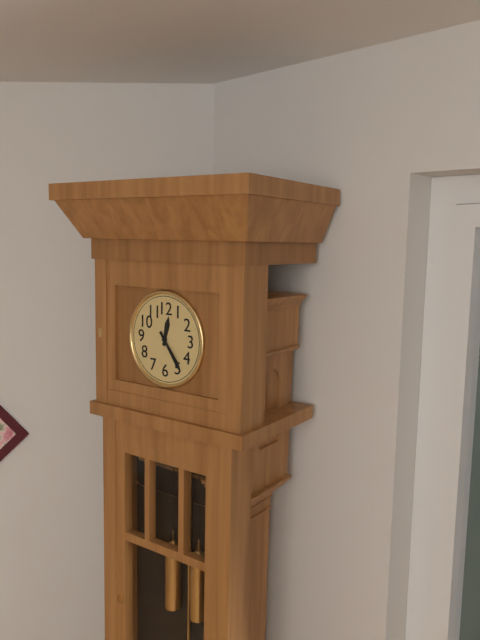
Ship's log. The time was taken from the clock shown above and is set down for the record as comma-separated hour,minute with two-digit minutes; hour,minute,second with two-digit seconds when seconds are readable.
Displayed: 12,24
